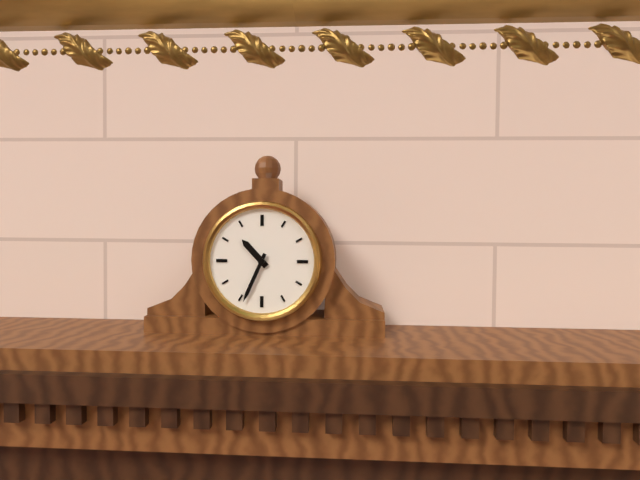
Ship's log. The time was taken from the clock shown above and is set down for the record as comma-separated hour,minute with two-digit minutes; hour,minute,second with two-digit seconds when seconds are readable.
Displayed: 10,34
